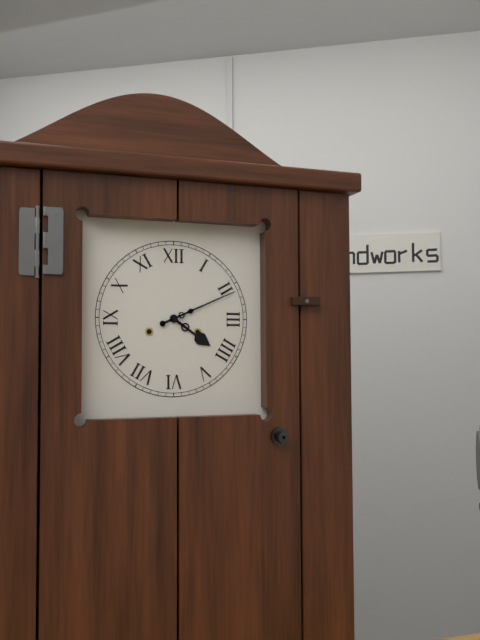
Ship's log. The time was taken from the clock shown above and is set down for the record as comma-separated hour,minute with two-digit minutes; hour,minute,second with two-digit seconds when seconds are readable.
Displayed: 4,11
